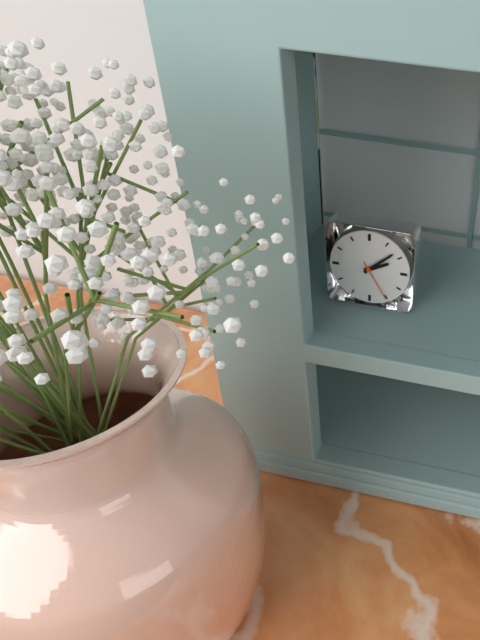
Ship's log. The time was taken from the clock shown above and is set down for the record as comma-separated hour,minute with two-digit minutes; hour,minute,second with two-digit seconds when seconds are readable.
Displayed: 2,08
